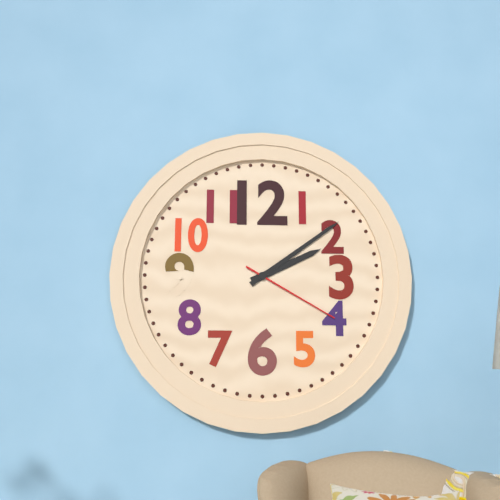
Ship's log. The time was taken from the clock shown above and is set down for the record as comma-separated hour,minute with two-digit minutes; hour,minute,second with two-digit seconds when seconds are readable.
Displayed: 2,09,20
